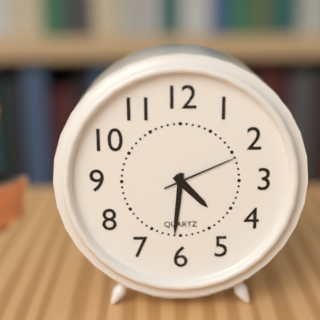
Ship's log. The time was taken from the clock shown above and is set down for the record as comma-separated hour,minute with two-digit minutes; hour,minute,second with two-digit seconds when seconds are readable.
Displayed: 4,31,11
